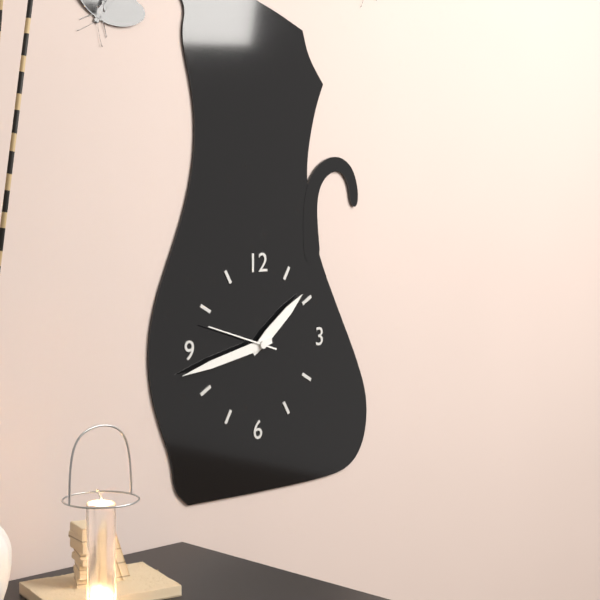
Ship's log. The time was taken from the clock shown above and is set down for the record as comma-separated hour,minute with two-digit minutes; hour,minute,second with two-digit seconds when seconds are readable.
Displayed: 1,43,48
